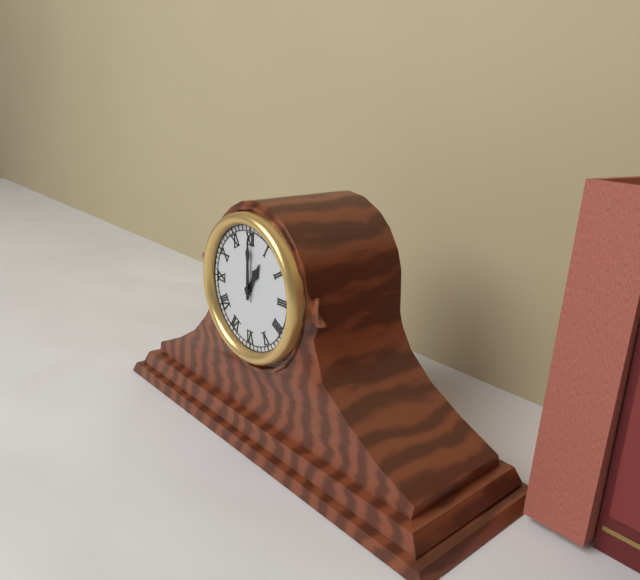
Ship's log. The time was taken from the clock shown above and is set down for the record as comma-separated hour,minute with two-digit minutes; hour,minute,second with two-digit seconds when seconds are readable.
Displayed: 1,00
